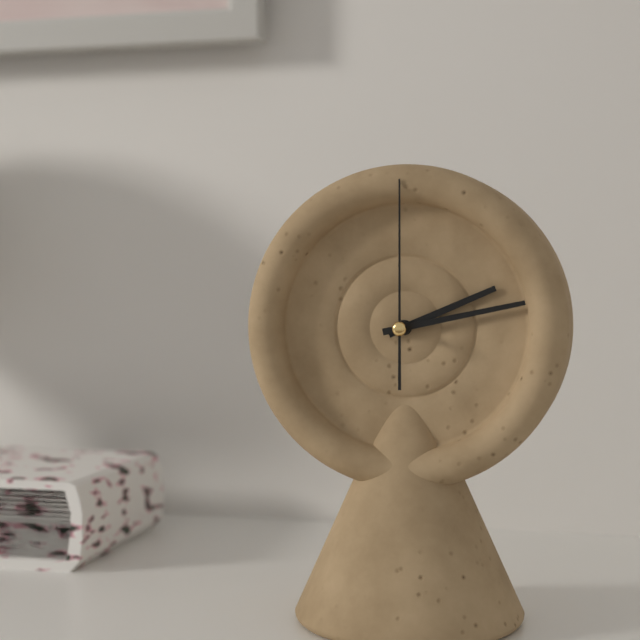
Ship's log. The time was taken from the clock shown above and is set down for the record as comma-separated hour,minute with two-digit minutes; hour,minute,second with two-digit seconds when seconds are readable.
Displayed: 2,13,00
